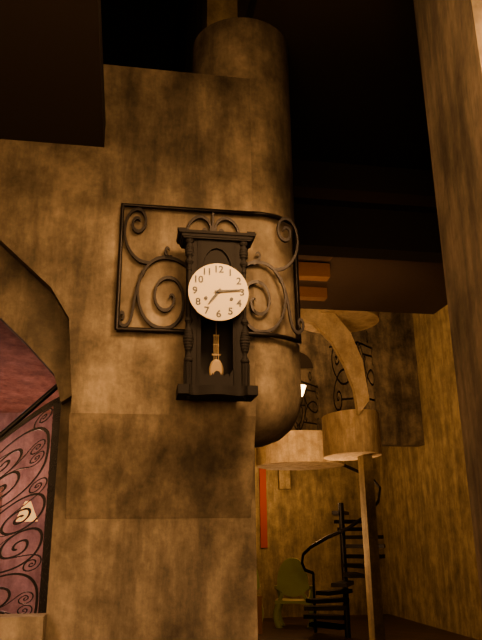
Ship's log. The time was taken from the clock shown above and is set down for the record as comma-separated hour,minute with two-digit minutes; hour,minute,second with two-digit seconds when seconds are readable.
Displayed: 7,14
